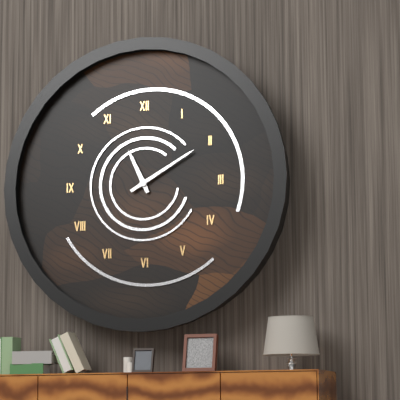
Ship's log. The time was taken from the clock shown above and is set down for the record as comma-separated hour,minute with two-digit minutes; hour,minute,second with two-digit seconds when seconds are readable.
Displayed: 11,10
